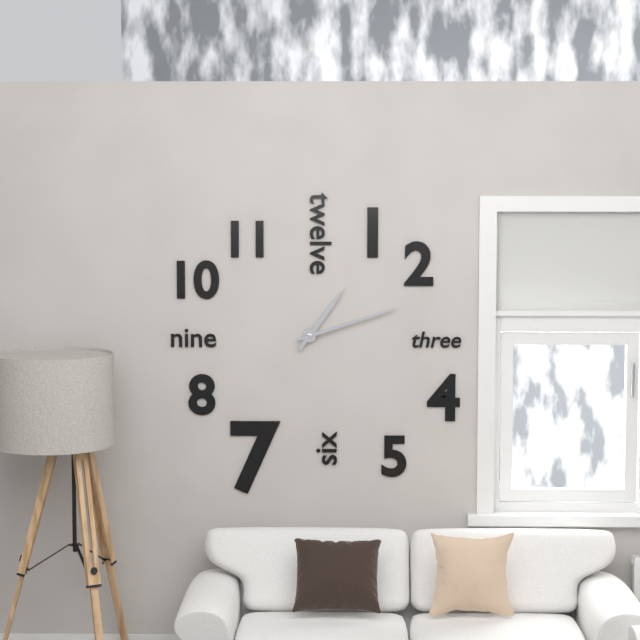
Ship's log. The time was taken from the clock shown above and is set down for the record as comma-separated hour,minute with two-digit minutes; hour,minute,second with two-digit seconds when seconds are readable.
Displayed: 1,12
